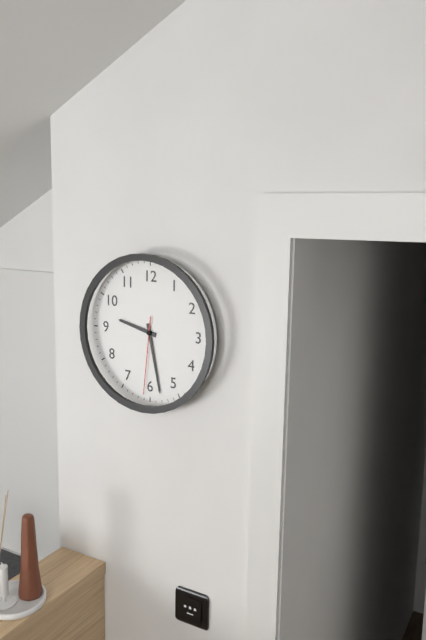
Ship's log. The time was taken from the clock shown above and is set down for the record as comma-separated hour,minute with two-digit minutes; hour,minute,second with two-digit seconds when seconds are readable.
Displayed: 9,28,31
